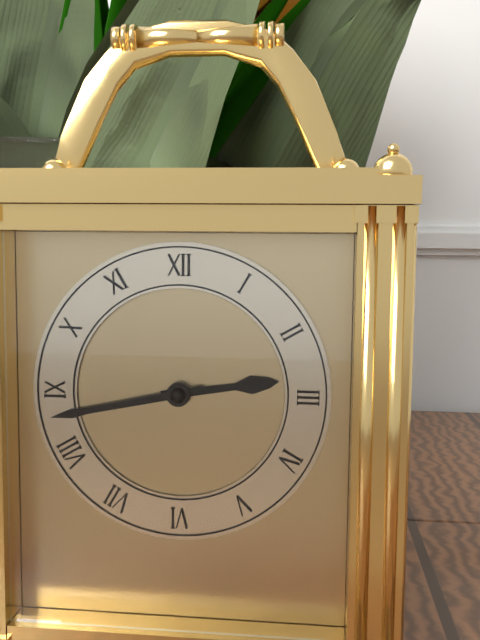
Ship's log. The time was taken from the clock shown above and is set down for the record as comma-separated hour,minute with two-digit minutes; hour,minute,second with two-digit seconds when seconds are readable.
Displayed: 2,43
